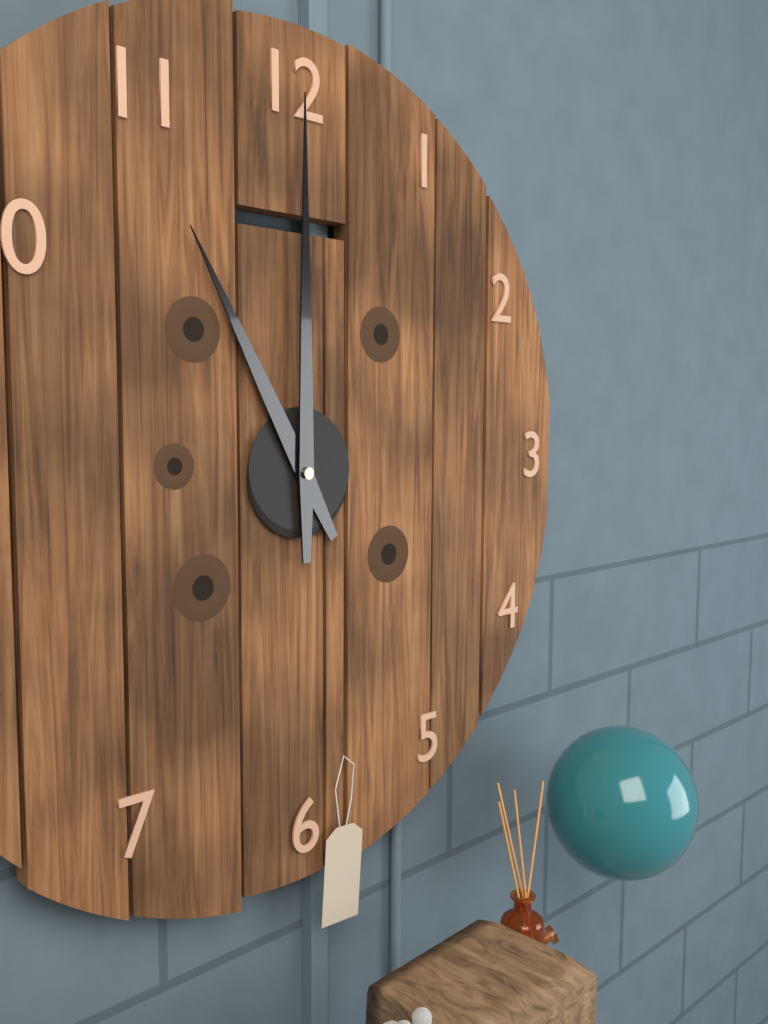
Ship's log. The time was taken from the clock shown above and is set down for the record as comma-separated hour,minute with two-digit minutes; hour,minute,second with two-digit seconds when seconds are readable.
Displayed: 11,00
